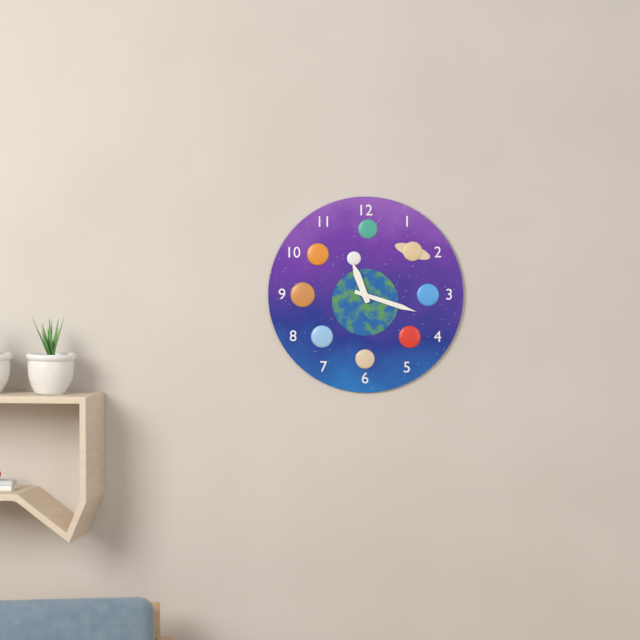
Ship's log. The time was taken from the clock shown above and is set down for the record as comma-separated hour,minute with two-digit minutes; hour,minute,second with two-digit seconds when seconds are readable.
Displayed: 11,18
